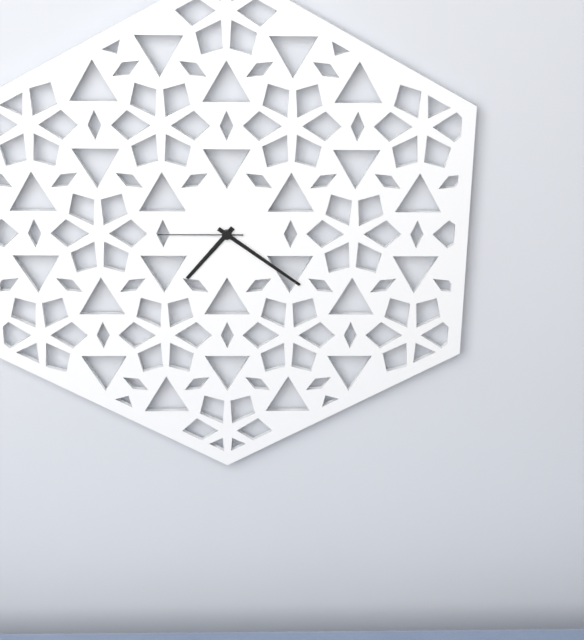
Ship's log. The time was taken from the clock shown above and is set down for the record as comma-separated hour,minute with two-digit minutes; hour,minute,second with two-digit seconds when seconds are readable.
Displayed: 7,21,45
